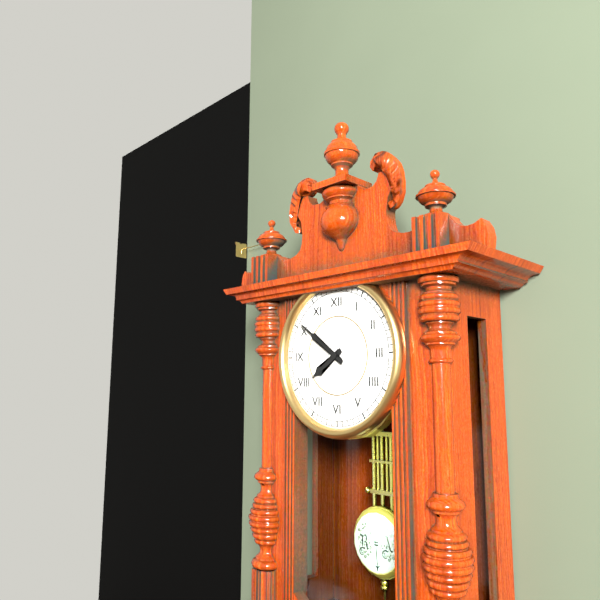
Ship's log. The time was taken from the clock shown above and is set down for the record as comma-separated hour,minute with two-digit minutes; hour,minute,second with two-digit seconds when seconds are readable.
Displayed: 7,51
